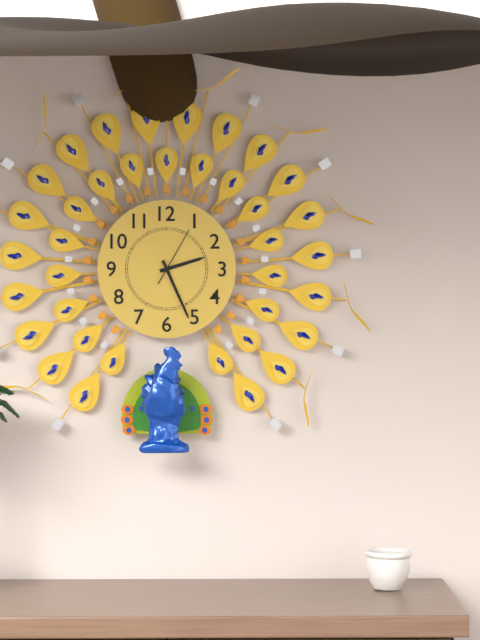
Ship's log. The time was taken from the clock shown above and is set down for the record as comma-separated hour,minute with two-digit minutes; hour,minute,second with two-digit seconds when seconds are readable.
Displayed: 2,26,05
